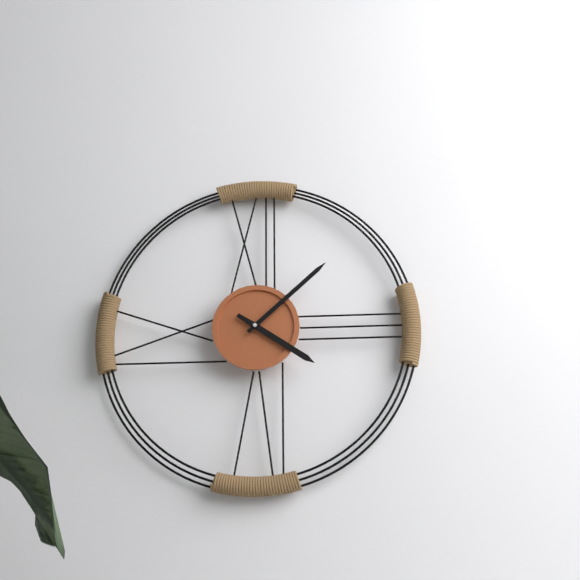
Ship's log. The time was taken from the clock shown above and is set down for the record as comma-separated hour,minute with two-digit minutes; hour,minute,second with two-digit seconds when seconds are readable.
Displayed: 4,08
